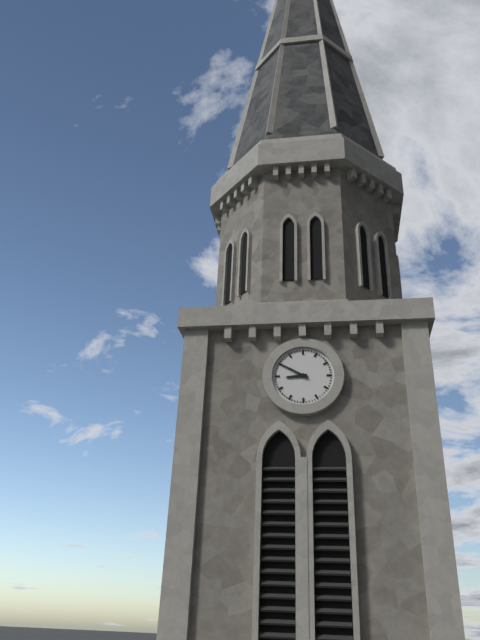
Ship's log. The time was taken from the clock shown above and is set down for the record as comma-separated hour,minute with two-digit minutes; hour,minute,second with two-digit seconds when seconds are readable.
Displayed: 8,50
